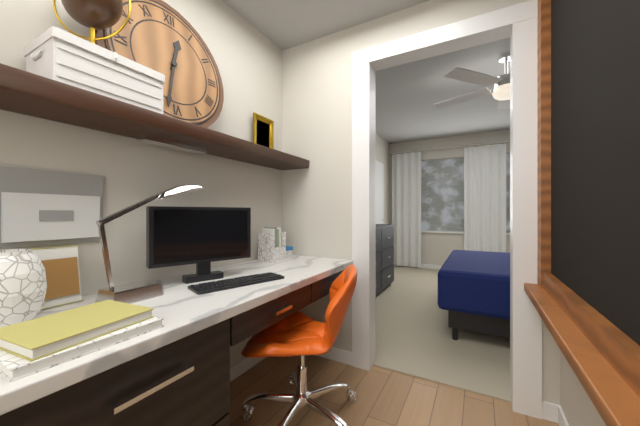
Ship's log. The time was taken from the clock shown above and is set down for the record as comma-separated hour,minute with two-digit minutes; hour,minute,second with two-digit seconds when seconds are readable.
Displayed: 12,32
